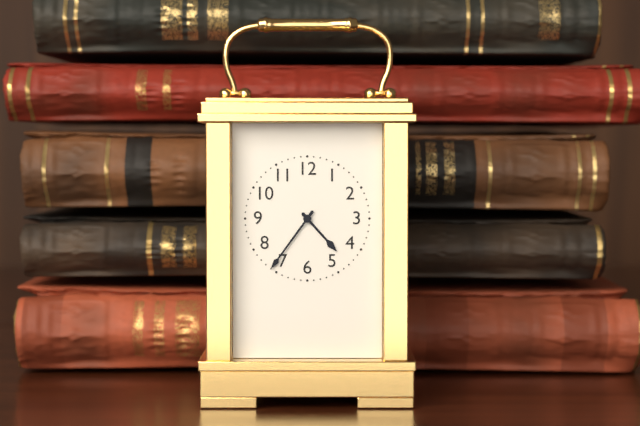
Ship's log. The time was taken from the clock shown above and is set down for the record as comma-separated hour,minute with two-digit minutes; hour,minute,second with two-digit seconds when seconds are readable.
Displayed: 4,36
